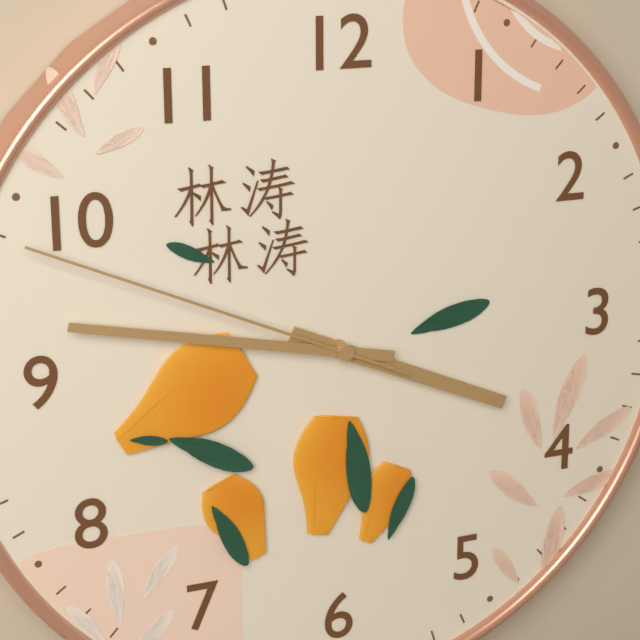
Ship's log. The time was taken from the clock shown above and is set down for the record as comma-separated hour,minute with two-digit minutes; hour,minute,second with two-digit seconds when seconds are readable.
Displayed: 3,47,49
